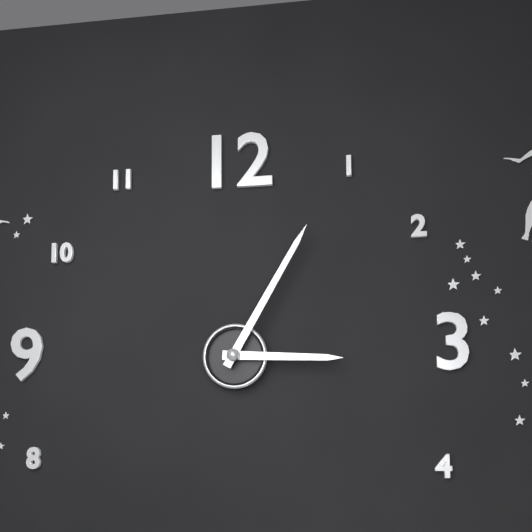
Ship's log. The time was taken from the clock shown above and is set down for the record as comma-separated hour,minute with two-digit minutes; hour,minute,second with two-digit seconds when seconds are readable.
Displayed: 3,05
